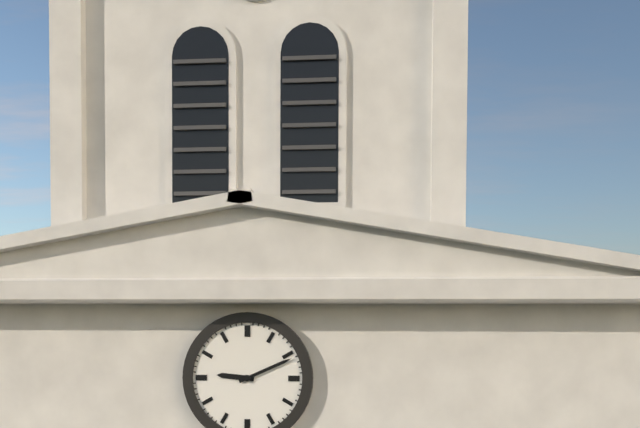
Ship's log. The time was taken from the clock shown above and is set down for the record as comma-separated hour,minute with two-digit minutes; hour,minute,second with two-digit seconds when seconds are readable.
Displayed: 9,11
